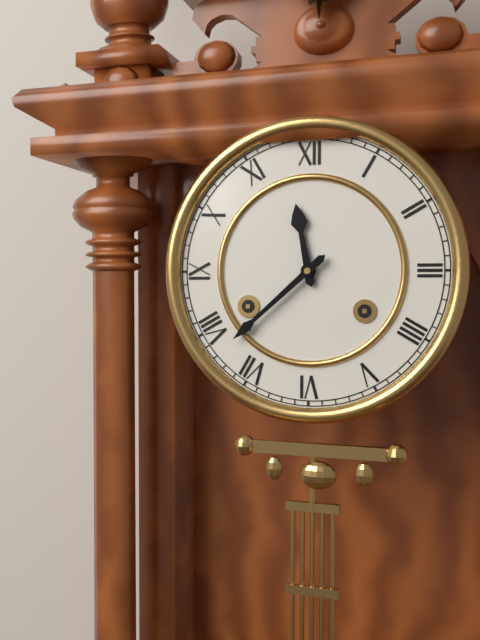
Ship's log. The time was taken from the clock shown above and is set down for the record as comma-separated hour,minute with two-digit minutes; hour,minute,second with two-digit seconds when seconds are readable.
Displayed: 11,38
